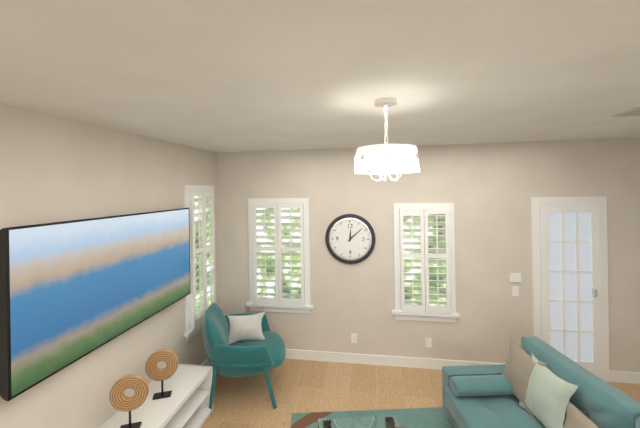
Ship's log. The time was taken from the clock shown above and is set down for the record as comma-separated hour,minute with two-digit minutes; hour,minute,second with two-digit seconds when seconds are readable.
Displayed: 12,08
